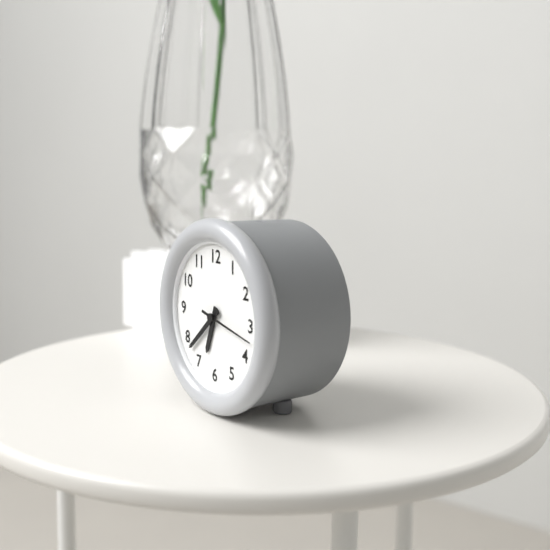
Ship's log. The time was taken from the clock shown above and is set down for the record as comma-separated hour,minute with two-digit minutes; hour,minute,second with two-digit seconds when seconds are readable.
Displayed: 6,38,17
